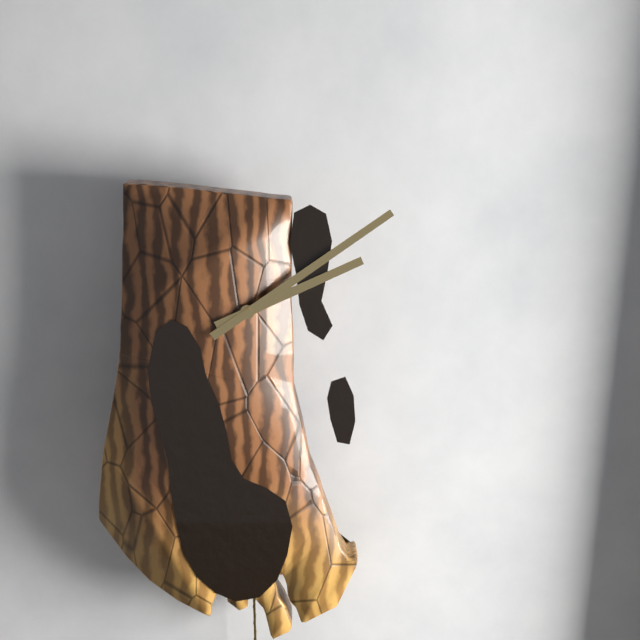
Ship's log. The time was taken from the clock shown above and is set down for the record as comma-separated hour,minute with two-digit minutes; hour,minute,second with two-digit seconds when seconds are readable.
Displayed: 2,09
